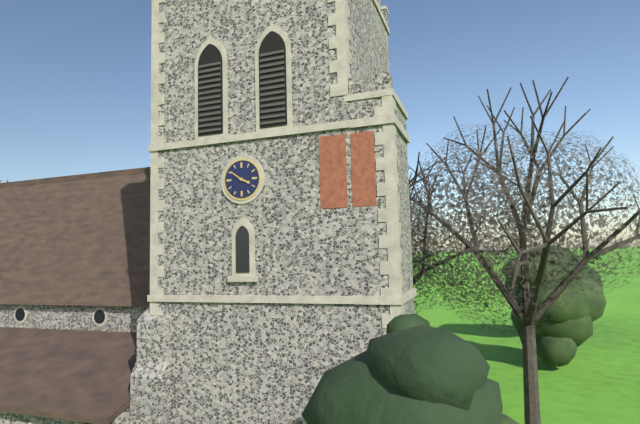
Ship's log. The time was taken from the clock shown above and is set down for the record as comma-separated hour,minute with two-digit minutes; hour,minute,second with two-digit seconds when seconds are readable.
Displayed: 3,51
